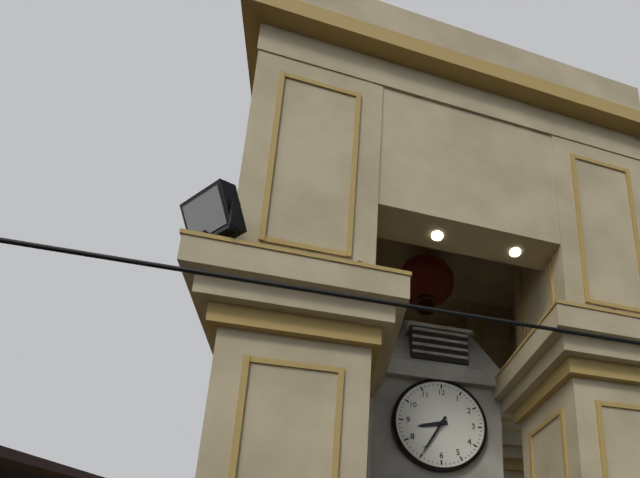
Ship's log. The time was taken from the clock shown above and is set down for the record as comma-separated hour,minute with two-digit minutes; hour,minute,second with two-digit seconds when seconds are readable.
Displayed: 8,35
